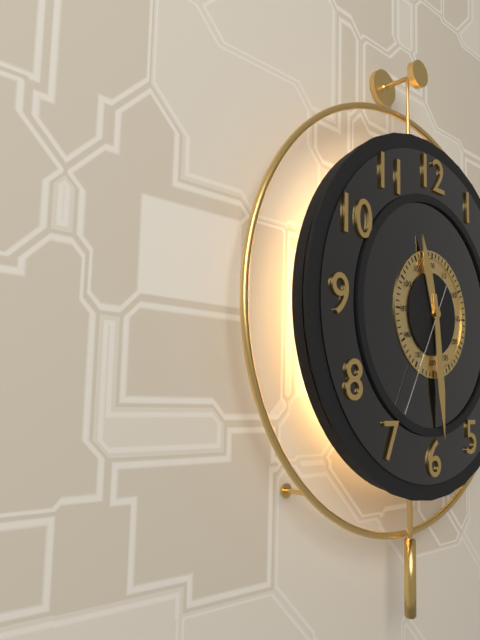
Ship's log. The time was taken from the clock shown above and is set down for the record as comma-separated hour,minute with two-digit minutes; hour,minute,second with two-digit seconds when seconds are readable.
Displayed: 11,29,35
